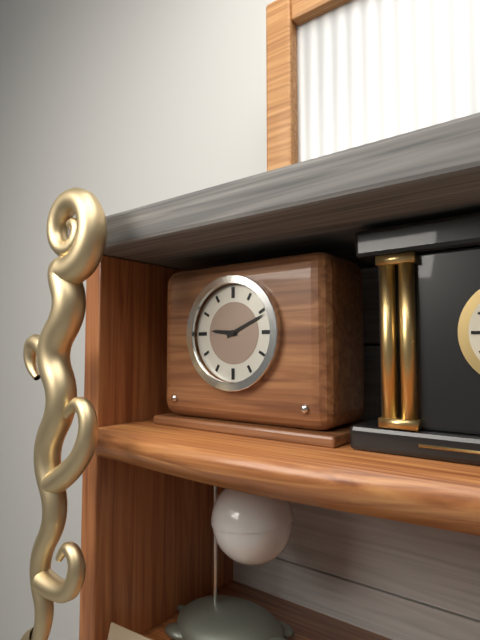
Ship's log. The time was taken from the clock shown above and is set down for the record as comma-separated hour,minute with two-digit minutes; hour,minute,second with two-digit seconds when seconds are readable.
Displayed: 9,11
